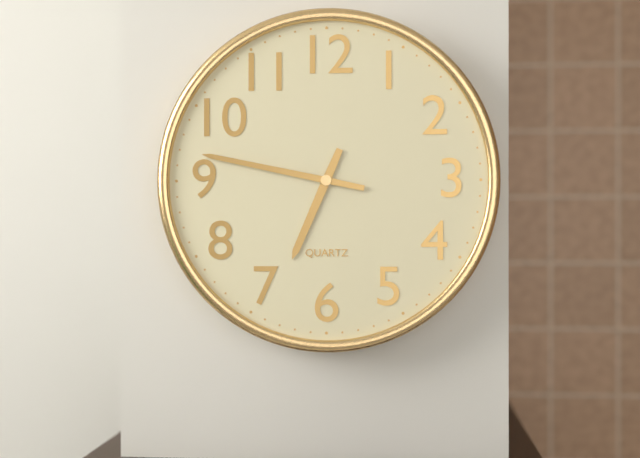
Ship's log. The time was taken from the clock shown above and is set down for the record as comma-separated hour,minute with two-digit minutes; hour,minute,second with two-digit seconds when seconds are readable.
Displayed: 6,47
